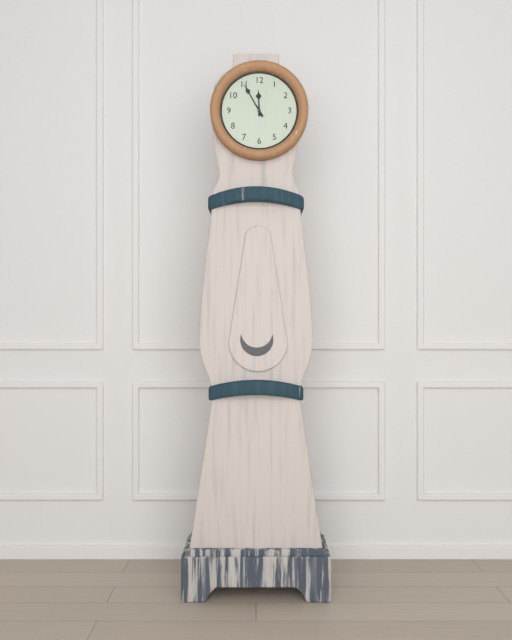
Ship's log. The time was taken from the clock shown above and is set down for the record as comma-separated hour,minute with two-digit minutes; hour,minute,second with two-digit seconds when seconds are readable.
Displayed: 11,55
